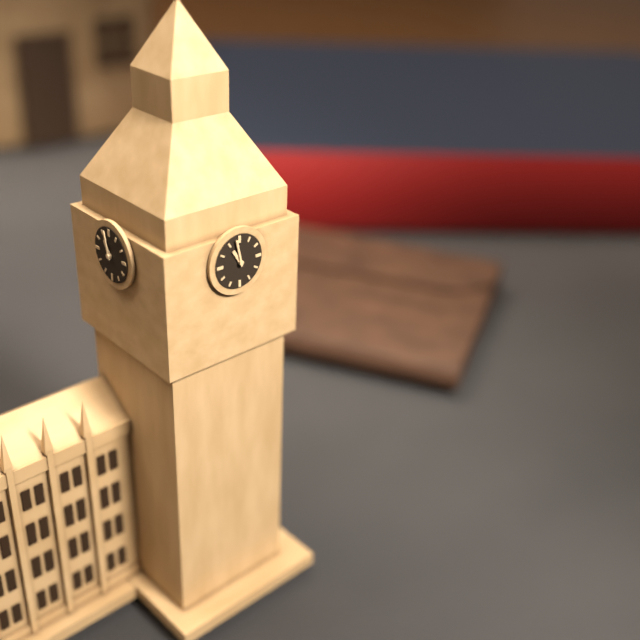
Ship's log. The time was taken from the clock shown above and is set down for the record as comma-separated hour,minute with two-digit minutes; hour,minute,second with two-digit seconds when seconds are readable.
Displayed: 10,58
